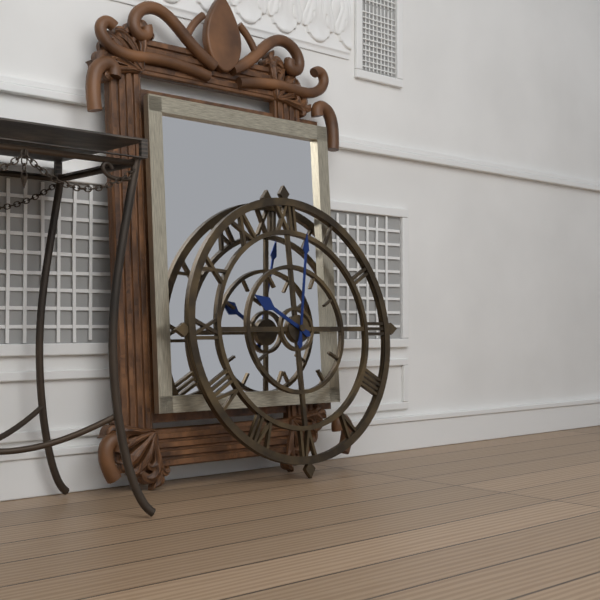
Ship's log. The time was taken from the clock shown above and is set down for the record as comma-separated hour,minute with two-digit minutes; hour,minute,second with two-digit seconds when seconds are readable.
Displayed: 10,02
